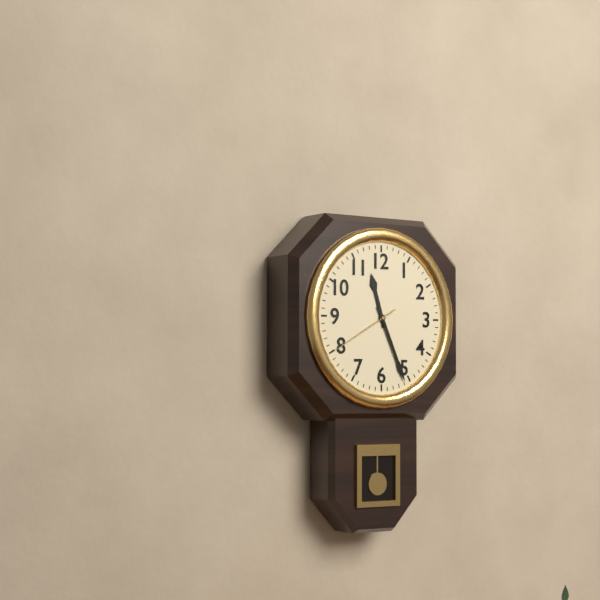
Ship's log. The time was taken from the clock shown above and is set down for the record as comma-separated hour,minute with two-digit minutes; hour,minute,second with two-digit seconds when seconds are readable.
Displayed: 11,26,40
